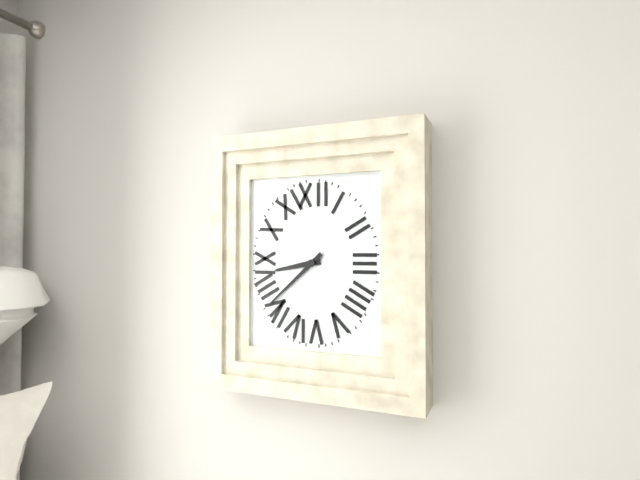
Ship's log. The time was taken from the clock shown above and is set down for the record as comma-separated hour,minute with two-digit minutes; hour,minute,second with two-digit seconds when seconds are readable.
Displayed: 8,38
